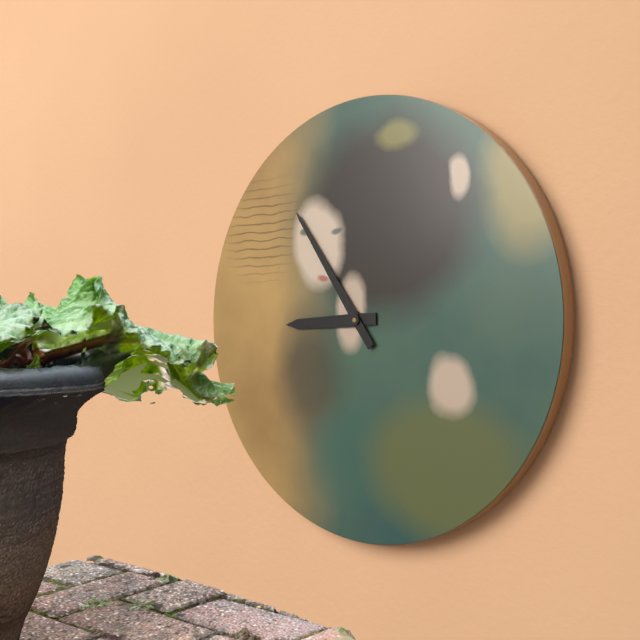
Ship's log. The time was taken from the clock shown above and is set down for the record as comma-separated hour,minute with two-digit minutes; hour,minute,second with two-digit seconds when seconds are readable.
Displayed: 8,54
